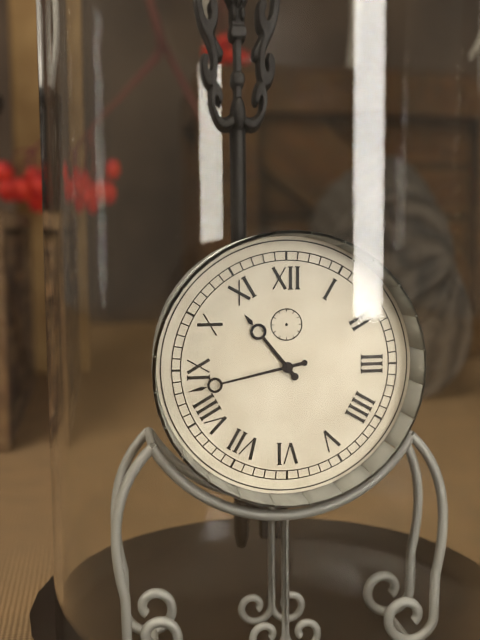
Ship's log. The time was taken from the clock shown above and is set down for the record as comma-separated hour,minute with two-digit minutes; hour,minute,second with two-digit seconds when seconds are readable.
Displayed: 10,43
